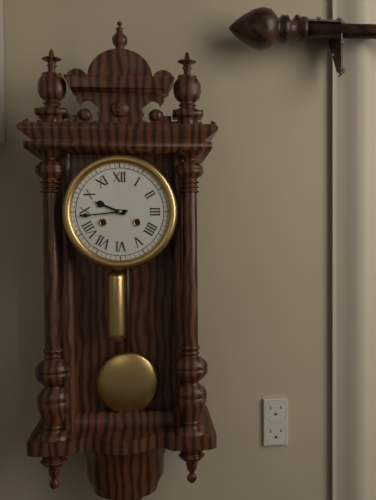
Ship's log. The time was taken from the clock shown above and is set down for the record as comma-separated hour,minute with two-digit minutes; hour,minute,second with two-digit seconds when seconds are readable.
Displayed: 9,44
